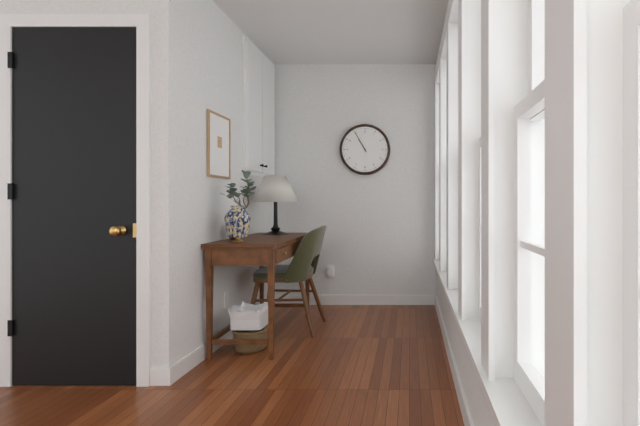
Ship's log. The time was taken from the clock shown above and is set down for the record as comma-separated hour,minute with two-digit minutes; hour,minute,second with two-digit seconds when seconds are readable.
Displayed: 10,55
